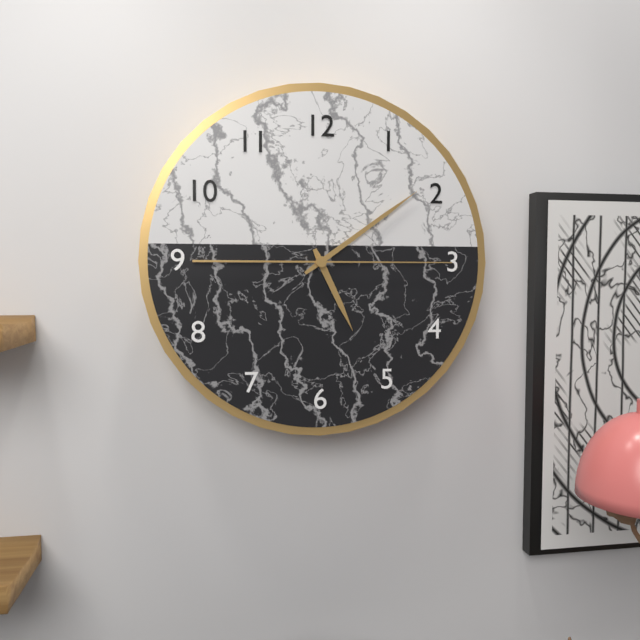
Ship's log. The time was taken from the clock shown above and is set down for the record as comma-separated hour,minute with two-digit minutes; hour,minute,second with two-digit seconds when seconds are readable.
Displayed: 5,09,15
